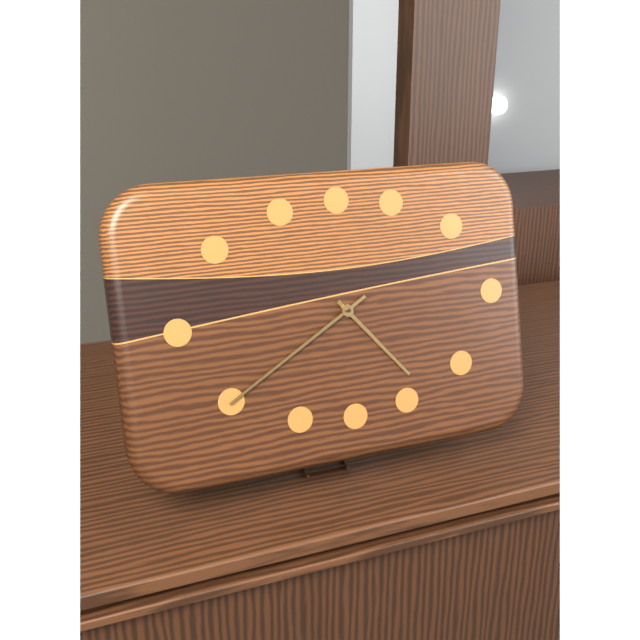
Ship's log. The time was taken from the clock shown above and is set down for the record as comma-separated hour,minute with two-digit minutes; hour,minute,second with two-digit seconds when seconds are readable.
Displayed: 4,40
